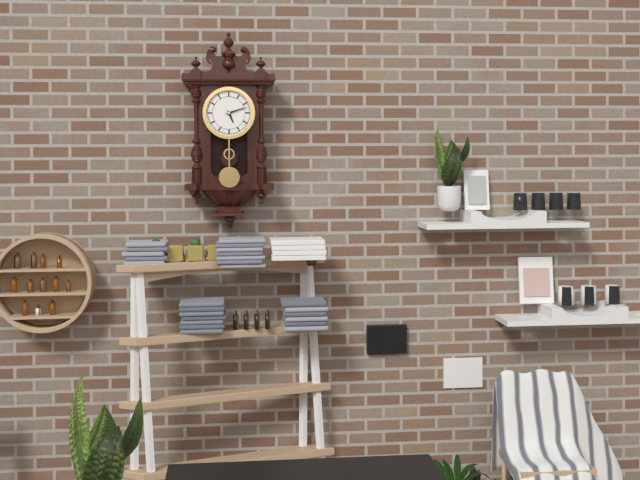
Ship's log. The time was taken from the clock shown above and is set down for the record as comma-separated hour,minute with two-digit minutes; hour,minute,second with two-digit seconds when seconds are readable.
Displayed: 5,12
